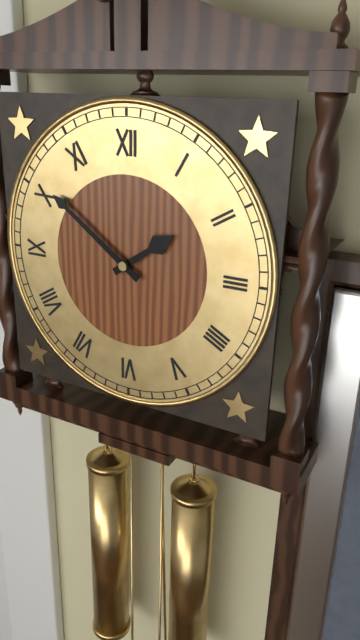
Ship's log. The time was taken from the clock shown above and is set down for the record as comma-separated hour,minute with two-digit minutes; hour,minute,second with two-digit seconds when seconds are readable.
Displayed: 1,51
